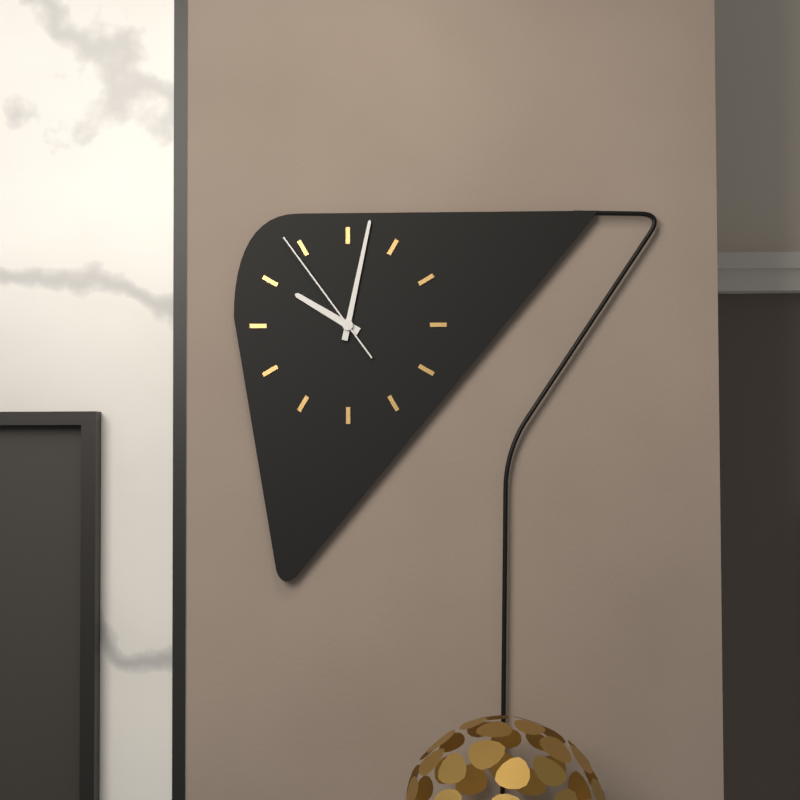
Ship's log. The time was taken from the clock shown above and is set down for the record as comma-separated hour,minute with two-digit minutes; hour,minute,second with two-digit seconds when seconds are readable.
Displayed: 10,02,54
